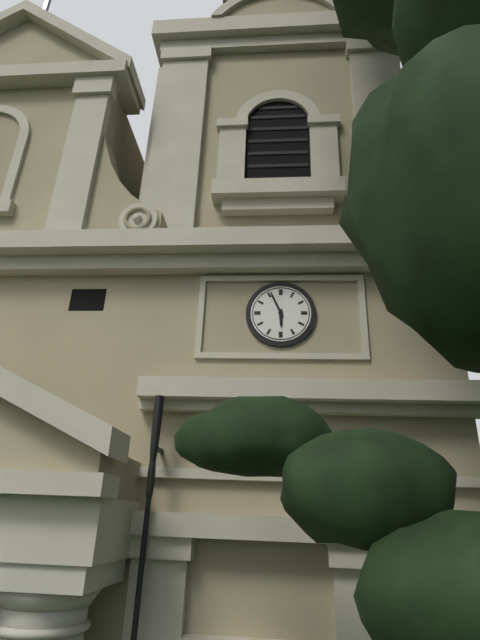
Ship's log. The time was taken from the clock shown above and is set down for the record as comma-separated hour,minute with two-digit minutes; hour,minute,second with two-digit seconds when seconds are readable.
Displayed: 5,56
